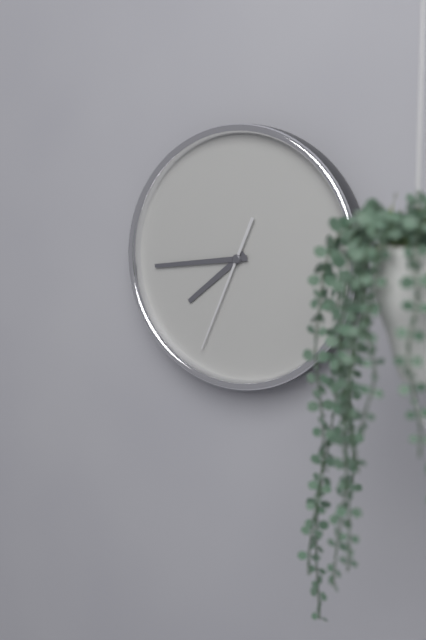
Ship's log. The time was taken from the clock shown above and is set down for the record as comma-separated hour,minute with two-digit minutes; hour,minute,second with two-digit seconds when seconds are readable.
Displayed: 7,44,34
